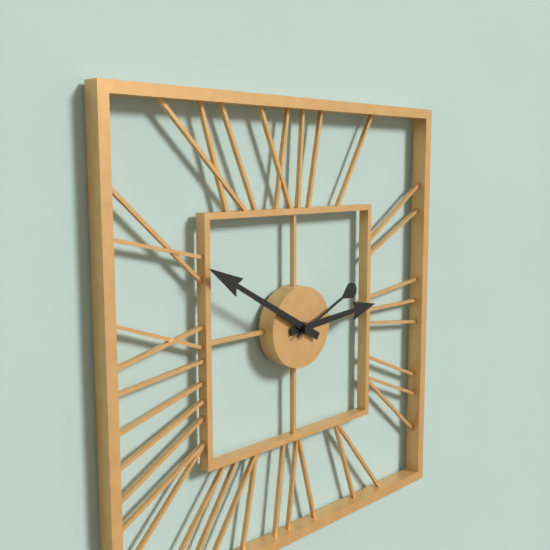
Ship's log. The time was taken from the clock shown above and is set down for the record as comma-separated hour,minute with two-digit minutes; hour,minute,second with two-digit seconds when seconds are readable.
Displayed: 2,50,11
